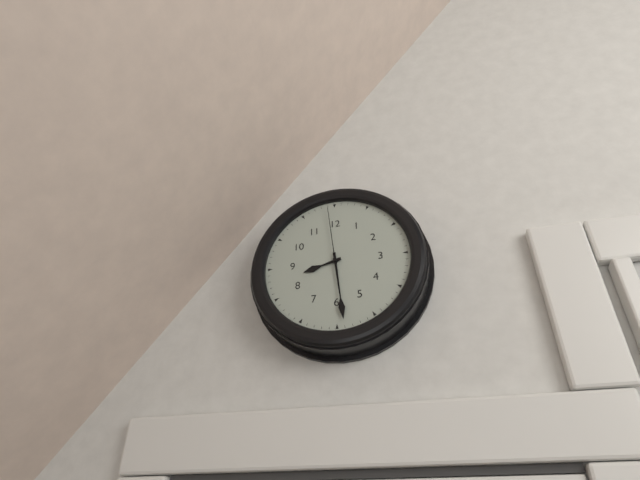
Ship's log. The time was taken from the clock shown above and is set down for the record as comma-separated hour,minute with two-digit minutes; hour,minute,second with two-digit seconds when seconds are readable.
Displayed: 8,29,59
